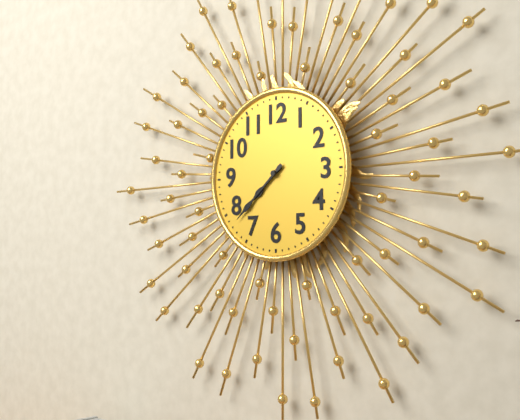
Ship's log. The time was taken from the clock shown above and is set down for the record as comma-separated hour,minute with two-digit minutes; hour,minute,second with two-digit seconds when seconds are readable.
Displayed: 7,38
